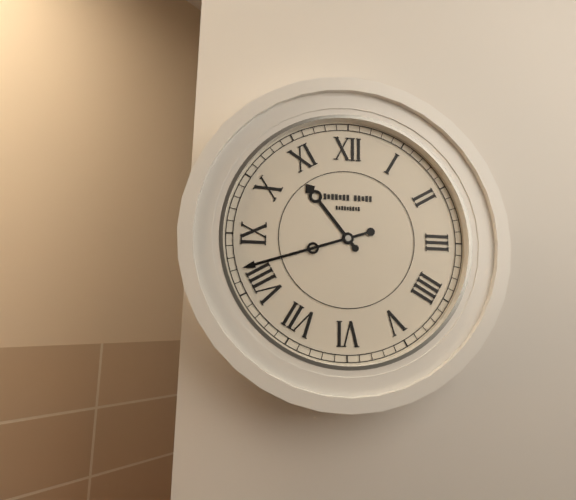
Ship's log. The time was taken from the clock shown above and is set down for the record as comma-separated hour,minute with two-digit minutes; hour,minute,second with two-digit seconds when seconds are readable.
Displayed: 10,42
